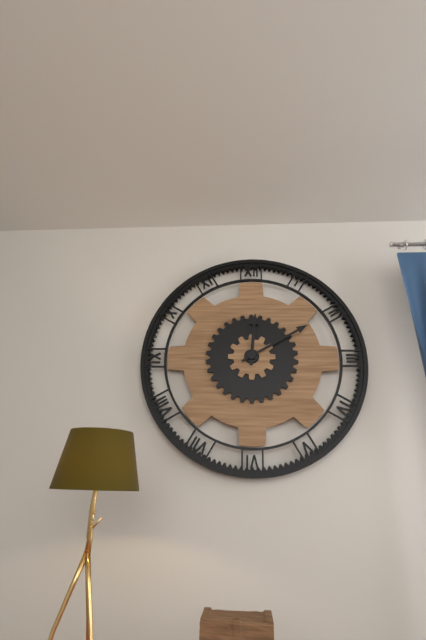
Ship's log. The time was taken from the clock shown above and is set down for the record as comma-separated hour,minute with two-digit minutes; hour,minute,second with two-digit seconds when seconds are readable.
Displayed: 12,10
